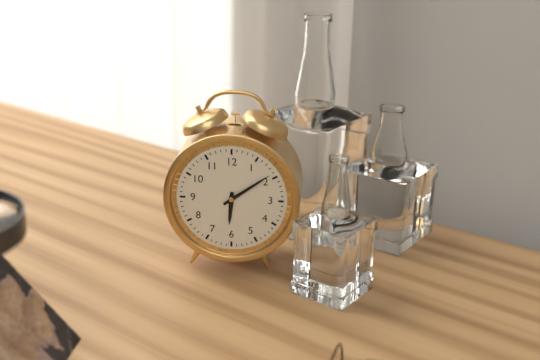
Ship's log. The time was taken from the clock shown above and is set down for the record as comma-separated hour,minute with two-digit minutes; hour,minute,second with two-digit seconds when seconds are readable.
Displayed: 6,09
